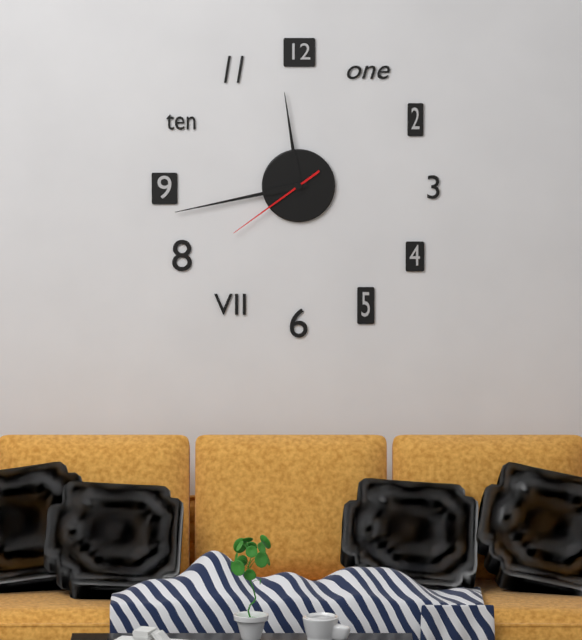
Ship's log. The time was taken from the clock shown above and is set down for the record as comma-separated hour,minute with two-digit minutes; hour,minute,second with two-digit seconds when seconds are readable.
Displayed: 11,43,39
